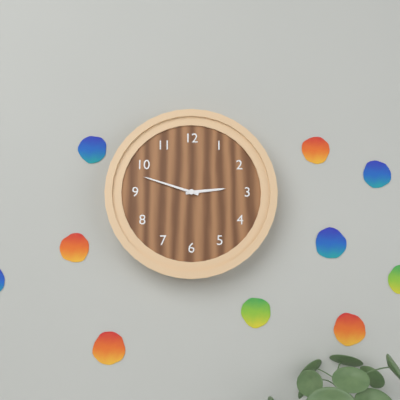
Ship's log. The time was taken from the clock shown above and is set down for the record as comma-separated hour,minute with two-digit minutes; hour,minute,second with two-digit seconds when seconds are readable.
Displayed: 2,48
